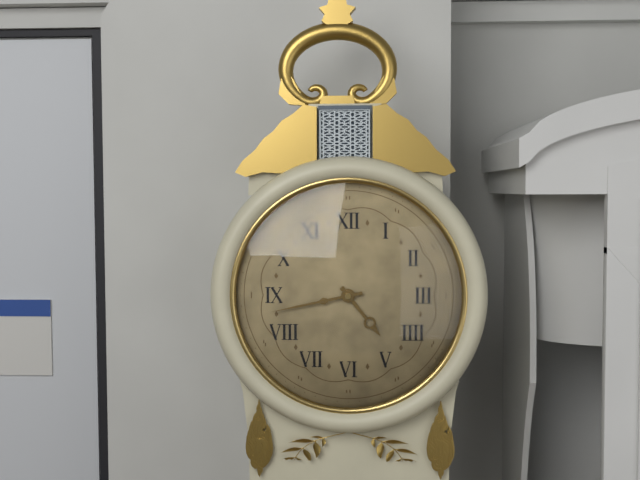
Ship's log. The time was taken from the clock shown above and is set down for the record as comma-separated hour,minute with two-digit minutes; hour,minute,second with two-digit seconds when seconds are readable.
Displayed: 4,43
